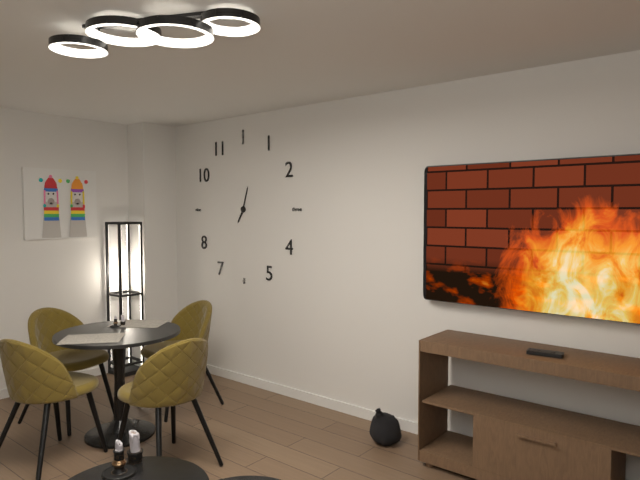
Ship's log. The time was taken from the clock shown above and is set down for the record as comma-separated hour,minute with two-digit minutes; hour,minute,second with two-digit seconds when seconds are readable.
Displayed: 7,03
